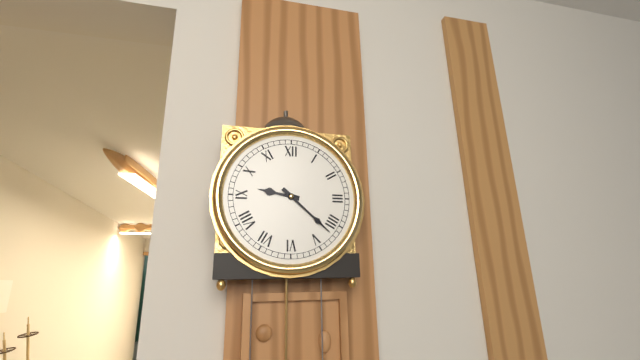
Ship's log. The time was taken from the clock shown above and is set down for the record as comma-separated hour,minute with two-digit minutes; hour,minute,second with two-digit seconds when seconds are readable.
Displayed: 9,22
